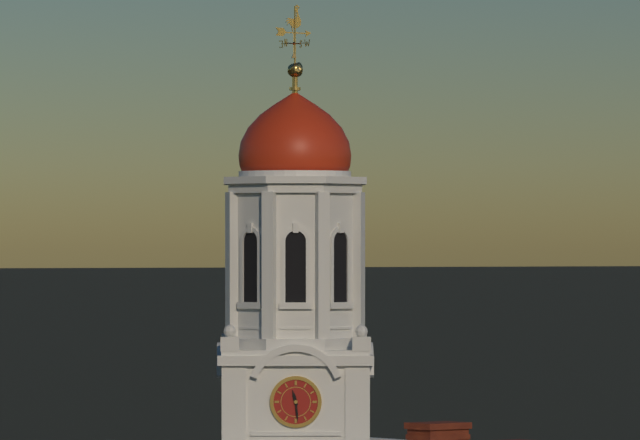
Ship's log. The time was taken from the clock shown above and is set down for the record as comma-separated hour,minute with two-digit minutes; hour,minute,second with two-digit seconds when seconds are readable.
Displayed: 11,29
